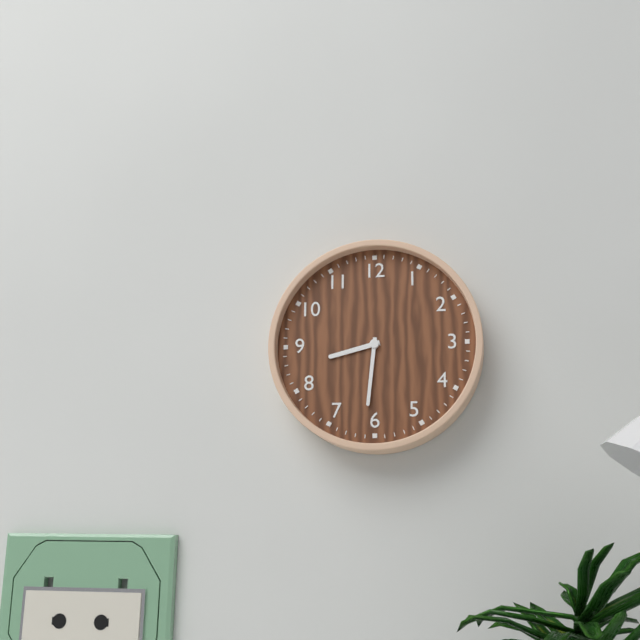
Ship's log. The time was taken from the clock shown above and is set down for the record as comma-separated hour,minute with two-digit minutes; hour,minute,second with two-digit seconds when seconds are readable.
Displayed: 8,31
